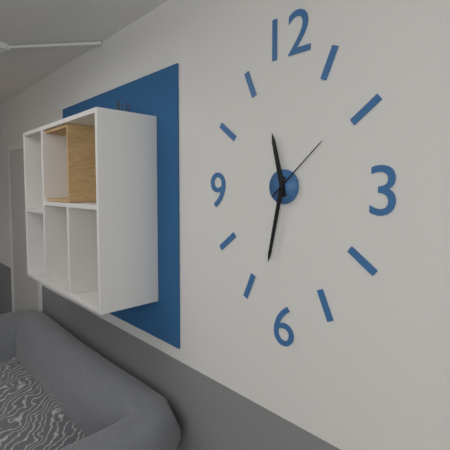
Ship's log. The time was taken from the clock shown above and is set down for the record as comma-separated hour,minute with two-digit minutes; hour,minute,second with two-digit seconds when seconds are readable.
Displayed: 11,32,08
